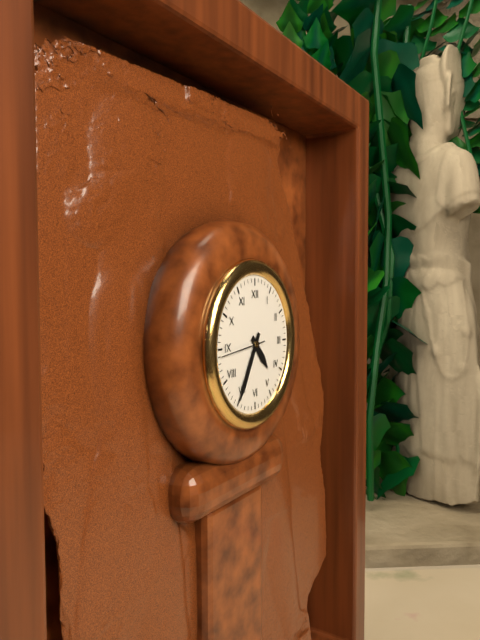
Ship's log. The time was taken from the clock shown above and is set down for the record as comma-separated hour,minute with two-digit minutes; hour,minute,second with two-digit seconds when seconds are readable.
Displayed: 4,35
